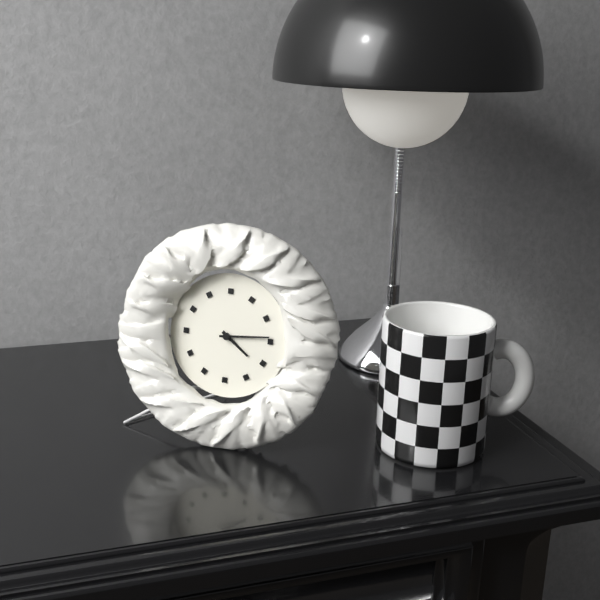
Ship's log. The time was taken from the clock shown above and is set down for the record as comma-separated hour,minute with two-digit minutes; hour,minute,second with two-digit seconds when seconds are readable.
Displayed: 4,14
